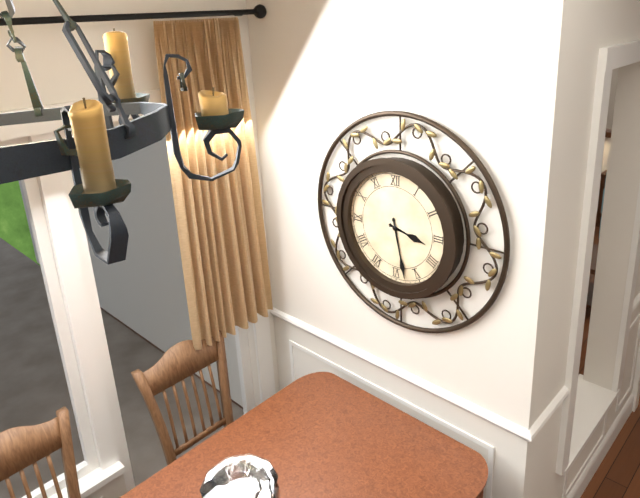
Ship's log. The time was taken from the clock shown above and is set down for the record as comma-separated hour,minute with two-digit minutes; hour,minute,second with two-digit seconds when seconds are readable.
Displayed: 3,28
